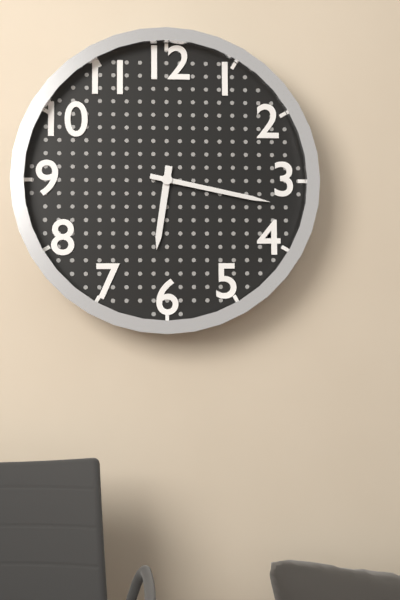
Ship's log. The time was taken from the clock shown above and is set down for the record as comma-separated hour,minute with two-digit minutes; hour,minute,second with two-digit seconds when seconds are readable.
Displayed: 6,17
